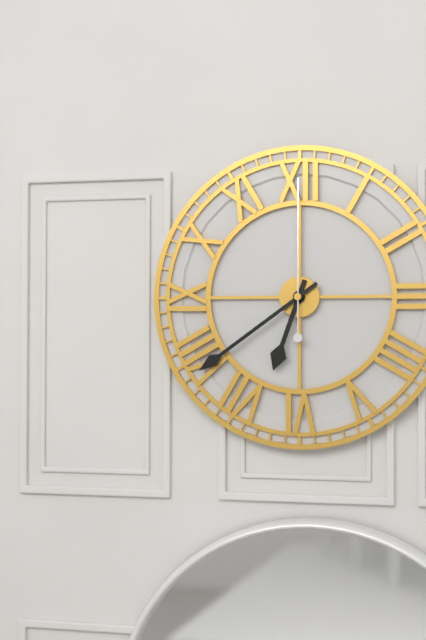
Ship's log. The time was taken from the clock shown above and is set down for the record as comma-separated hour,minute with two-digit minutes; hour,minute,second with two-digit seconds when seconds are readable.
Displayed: 6,39,00
